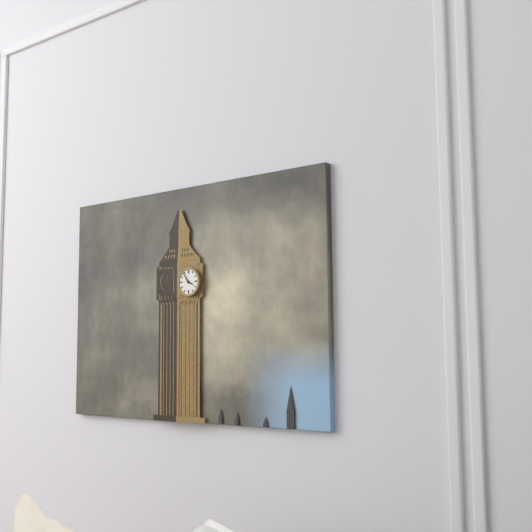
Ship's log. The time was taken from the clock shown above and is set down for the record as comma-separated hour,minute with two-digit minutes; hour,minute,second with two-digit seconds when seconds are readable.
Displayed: 3,54
